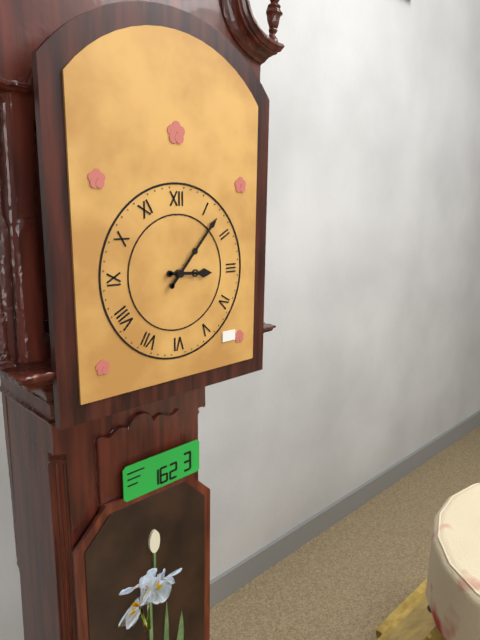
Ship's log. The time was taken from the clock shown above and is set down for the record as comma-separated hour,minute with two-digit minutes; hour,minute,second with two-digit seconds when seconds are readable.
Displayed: 3,07
